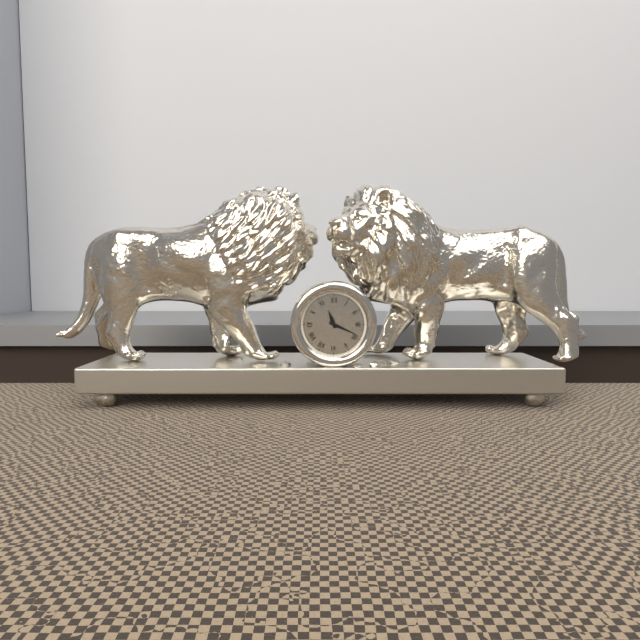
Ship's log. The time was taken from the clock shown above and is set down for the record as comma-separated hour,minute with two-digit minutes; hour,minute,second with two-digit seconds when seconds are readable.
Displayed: 11,19
